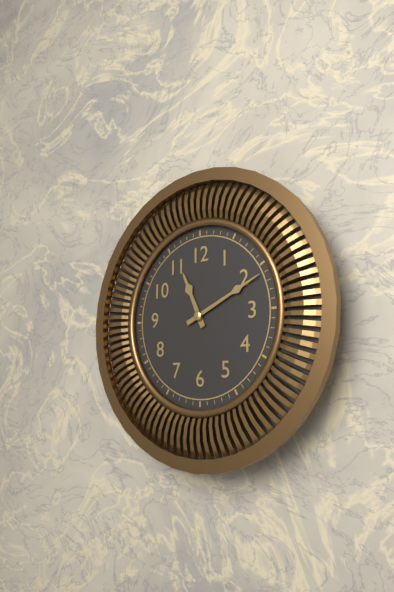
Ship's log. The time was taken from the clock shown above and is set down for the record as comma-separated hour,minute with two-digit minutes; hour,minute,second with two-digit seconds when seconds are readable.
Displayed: 11,11
